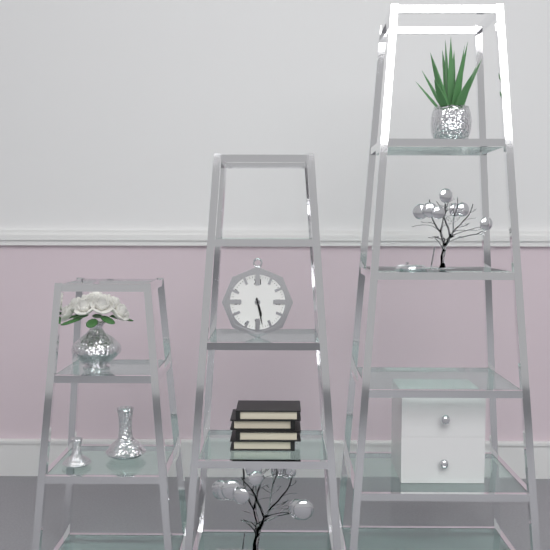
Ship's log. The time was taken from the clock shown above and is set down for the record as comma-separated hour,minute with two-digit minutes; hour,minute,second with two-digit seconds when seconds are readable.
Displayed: 5,28
